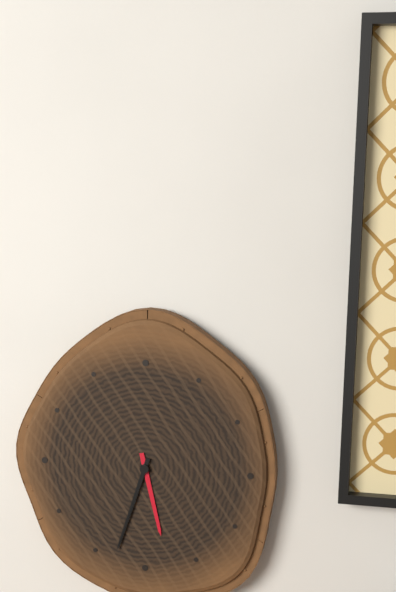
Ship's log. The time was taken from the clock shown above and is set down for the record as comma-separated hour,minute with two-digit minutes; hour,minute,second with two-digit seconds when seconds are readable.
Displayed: 5,33
